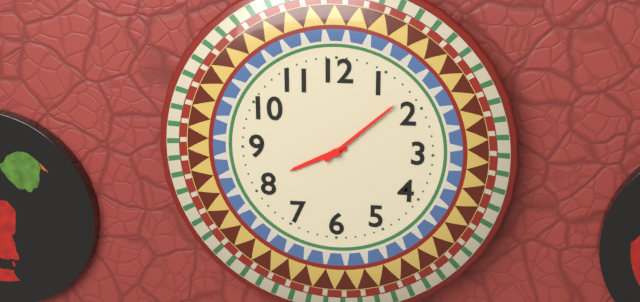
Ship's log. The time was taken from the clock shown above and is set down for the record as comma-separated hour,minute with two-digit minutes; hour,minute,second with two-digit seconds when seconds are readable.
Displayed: 8,08
